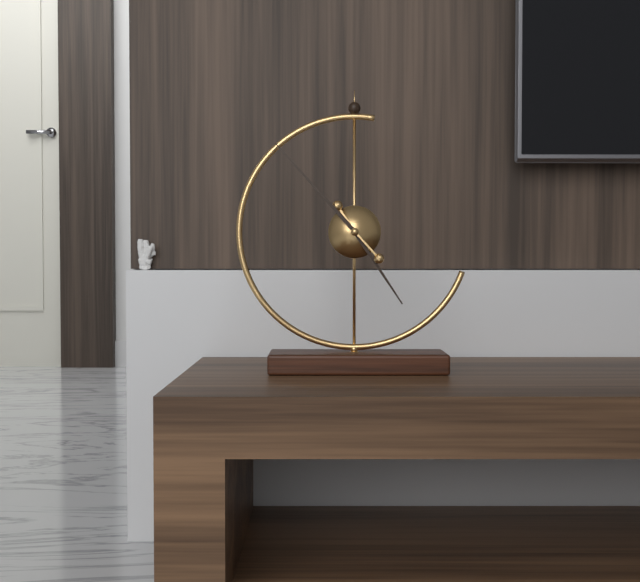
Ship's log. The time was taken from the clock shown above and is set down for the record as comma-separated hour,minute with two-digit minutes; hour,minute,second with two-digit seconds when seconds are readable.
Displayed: 4,53
